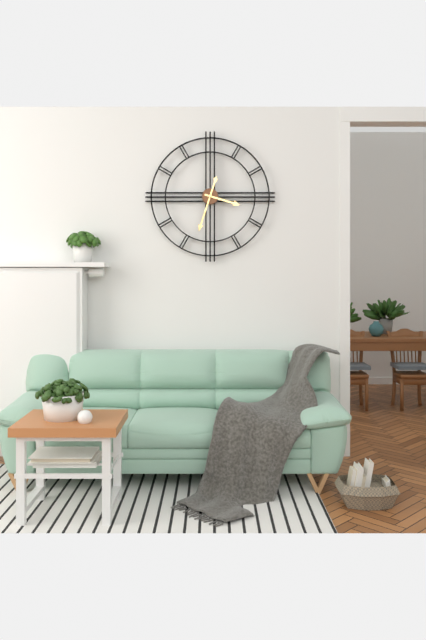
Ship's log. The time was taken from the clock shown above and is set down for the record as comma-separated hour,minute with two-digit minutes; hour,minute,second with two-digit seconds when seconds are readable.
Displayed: 3,33
